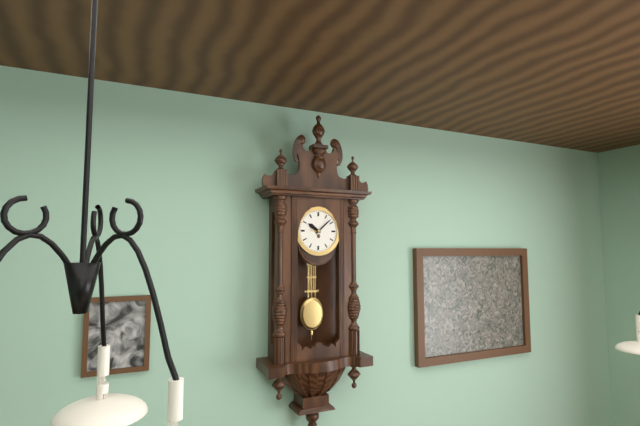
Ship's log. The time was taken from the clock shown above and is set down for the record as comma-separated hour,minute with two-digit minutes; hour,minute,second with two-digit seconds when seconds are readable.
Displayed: 10,08
